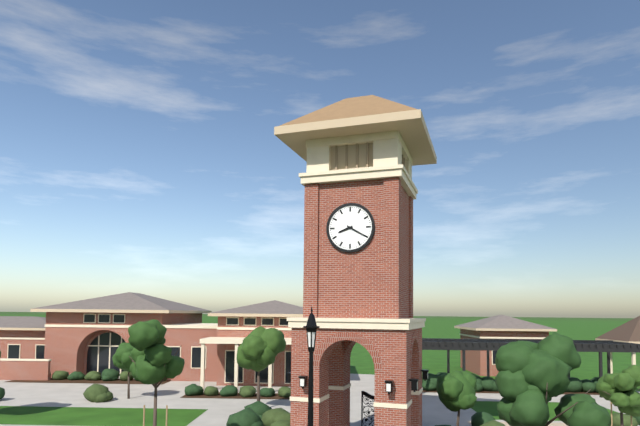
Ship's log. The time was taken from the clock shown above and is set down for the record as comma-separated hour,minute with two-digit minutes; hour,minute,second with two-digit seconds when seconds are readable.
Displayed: 8,20
